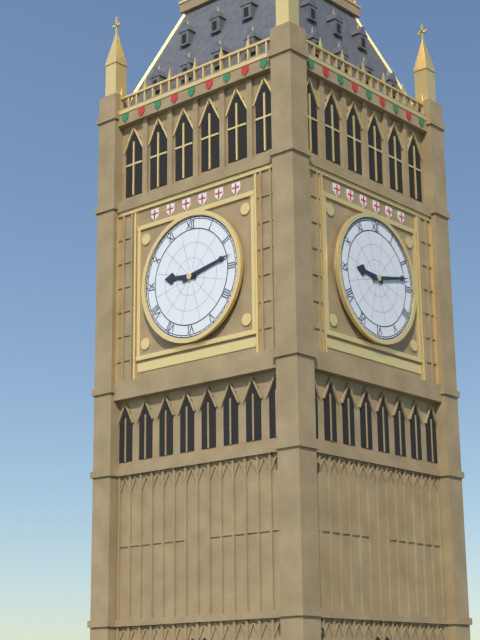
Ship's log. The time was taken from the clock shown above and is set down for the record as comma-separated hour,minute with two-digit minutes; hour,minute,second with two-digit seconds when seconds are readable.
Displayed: 9,13
